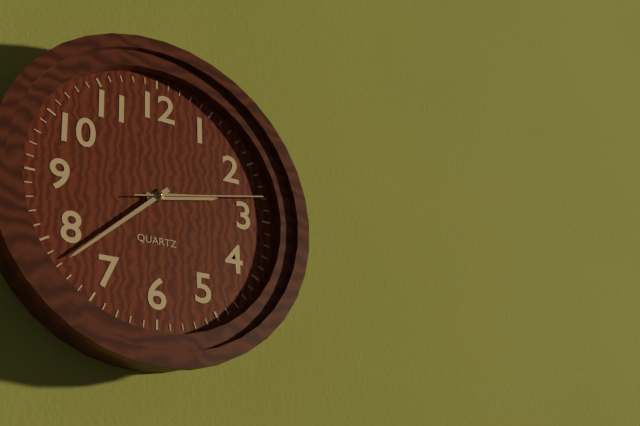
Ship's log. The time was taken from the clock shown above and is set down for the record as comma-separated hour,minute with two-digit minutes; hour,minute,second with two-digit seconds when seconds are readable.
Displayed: 2,38,13
